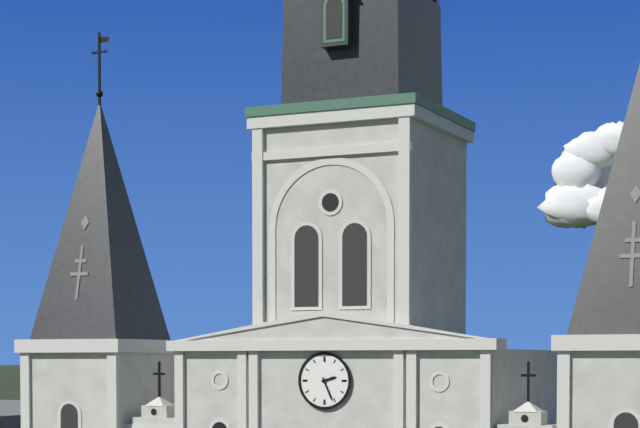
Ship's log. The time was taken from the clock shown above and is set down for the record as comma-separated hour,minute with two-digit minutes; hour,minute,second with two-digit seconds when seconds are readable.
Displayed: 2,26
